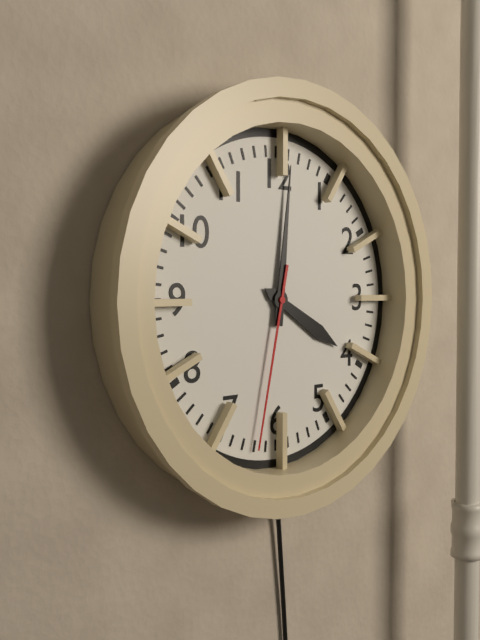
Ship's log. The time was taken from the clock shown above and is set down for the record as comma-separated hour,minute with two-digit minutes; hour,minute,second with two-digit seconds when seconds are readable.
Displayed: 4,01,32
